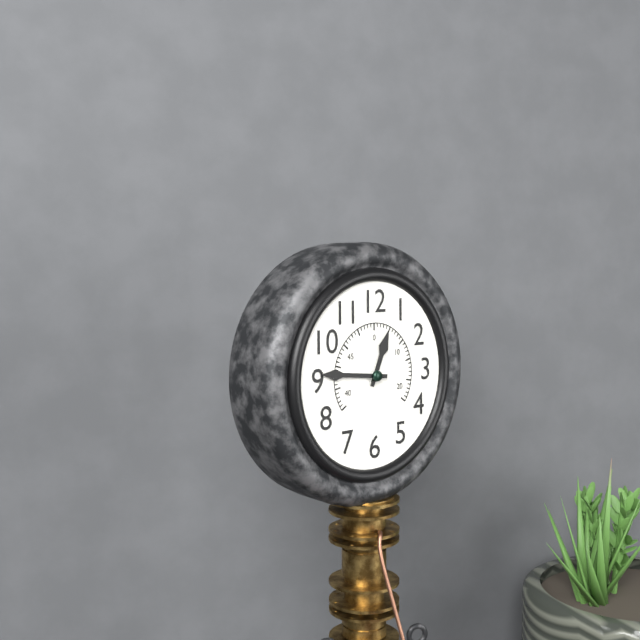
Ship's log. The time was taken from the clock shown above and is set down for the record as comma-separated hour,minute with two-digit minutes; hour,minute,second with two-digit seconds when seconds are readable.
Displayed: 12,46
